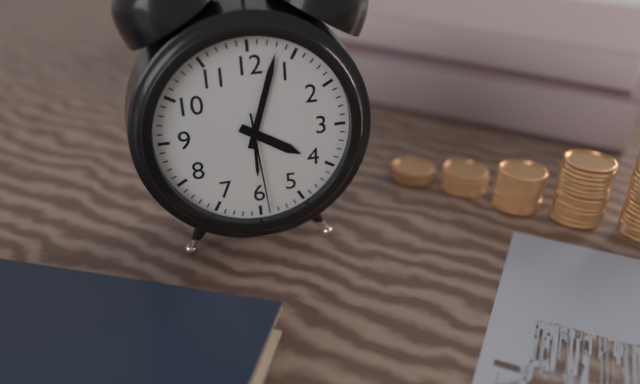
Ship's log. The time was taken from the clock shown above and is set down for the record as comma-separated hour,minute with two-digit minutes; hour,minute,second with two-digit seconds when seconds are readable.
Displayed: 4,03,29
